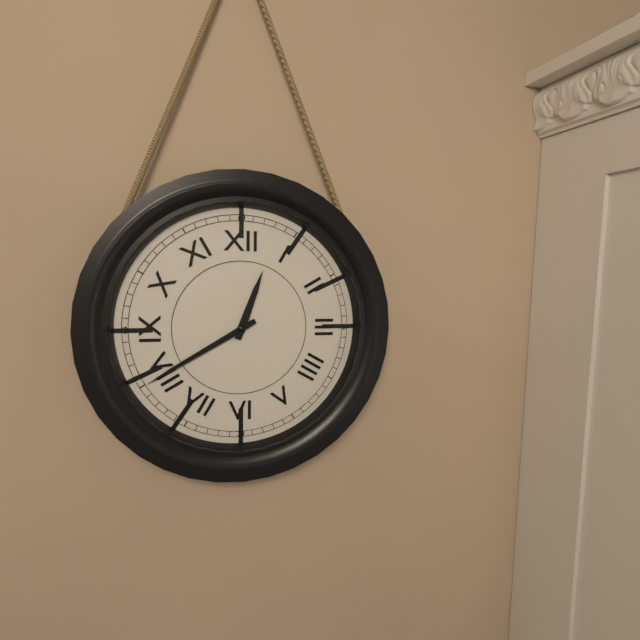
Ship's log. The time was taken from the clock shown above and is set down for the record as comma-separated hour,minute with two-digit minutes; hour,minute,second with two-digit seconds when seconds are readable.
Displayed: 12,40
